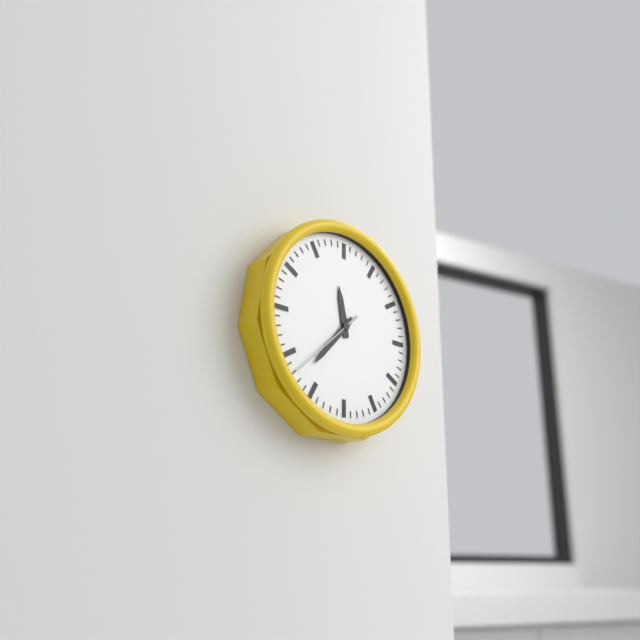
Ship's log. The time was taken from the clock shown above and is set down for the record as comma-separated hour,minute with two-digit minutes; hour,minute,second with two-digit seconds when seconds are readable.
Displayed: 11,37,38
